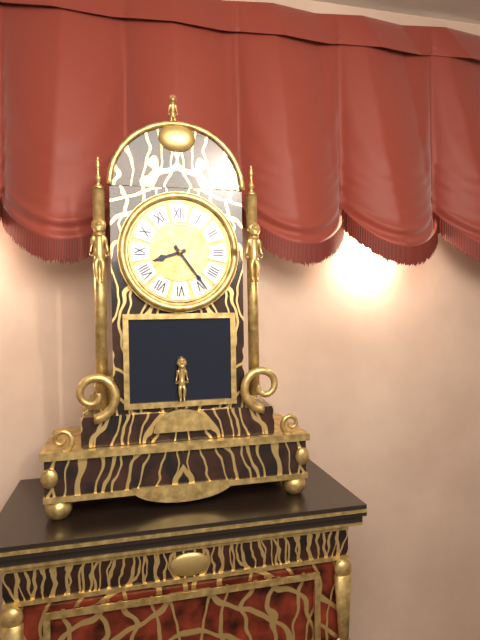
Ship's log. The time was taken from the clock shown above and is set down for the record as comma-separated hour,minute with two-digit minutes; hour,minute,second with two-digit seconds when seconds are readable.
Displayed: 8,24
